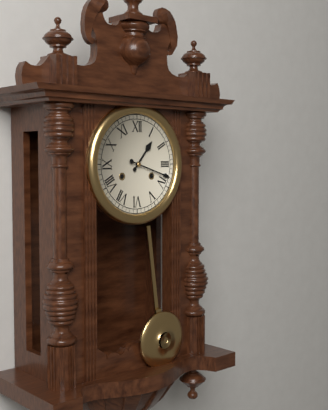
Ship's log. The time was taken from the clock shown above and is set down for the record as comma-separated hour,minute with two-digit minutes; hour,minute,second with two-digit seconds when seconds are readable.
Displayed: 1,18
